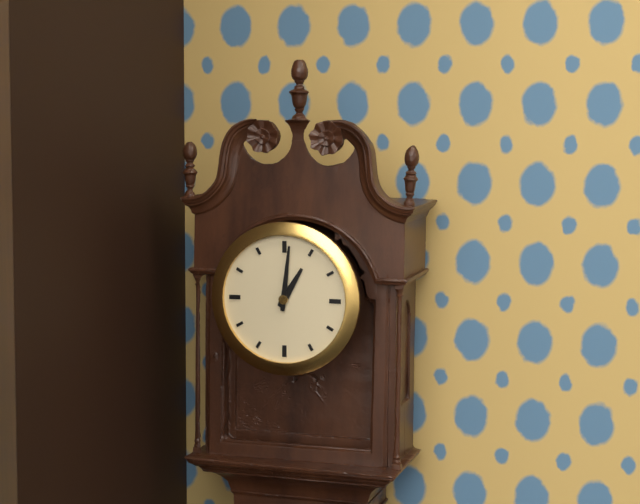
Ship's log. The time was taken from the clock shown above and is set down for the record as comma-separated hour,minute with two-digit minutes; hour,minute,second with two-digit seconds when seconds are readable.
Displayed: 1,01
